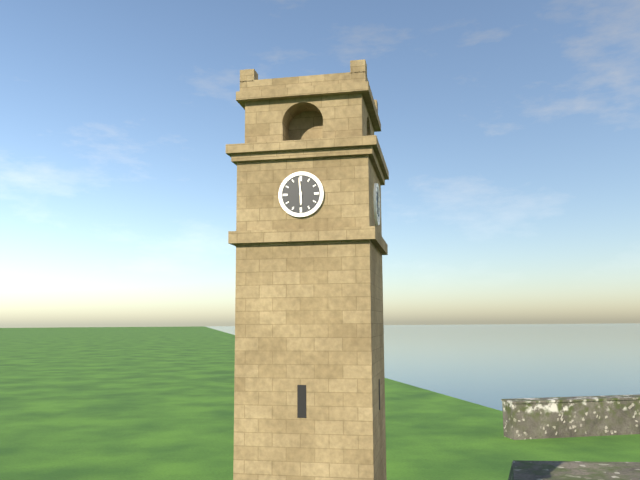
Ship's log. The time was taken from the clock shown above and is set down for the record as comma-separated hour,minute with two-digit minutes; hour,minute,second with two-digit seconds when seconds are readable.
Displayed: 5,59
